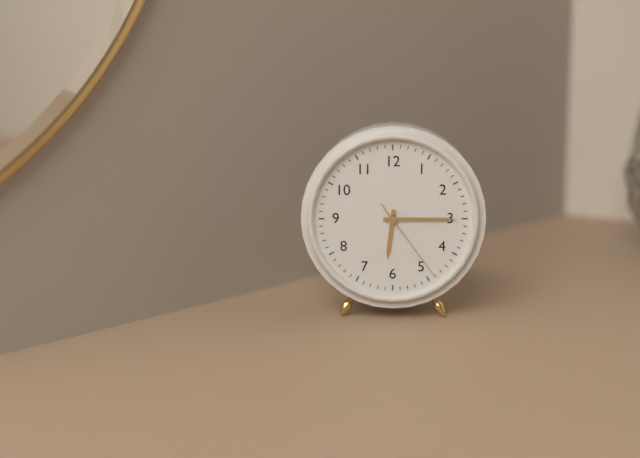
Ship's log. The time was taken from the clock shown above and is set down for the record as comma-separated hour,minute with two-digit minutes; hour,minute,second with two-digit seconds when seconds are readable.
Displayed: 6,15,24
